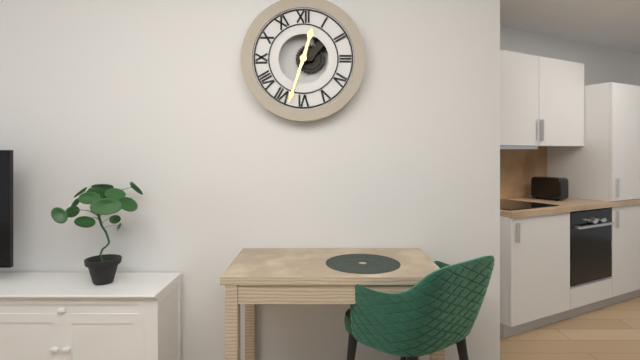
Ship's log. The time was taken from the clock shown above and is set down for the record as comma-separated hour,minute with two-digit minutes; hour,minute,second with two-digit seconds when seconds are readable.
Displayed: 12,33
